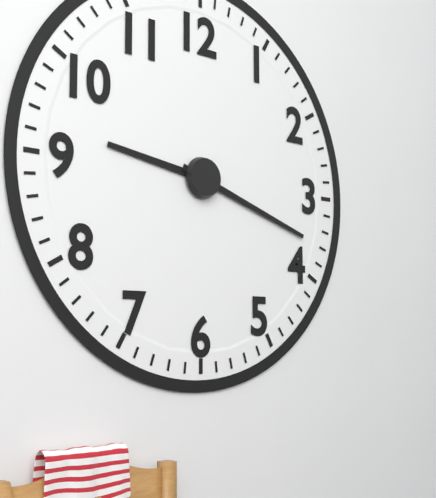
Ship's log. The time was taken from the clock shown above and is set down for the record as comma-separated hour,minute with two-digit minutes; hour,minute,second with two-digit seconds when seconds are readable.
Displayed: 9,18
